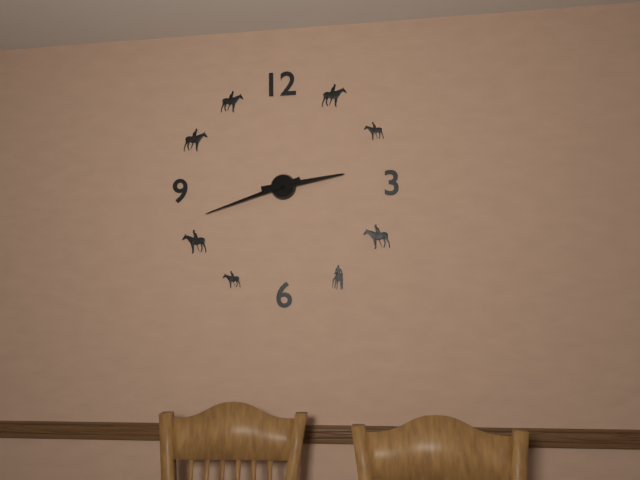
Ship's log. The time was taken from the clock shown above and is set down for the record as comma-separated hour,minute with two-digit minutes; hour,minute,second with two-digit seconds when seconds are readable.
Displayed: 2,42
